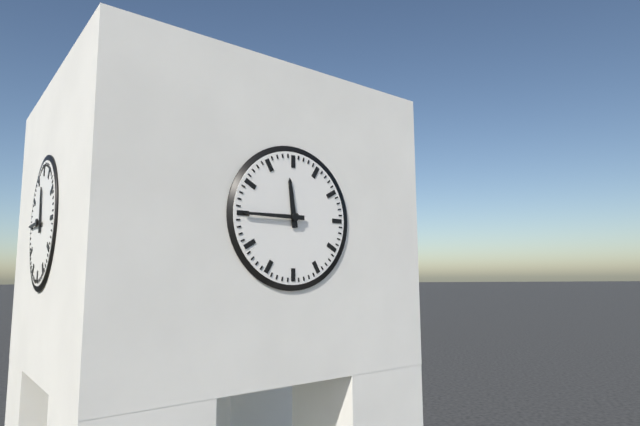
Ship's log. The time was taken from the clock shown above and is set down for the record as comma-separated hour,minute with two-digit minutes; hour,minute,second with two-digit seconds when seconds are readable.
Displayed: 11,45
